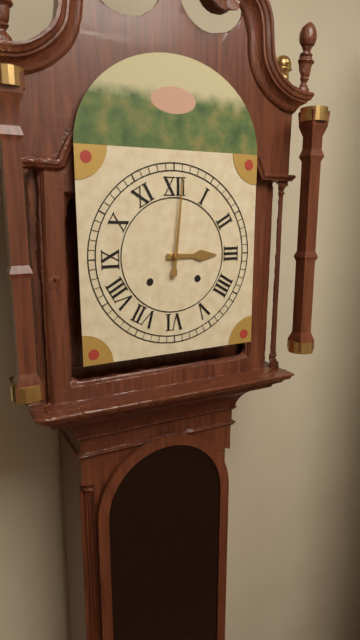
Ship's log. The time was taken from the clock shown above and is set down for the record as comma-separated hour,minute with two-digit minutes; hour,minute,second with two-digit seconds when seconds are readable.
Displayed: 3,01
